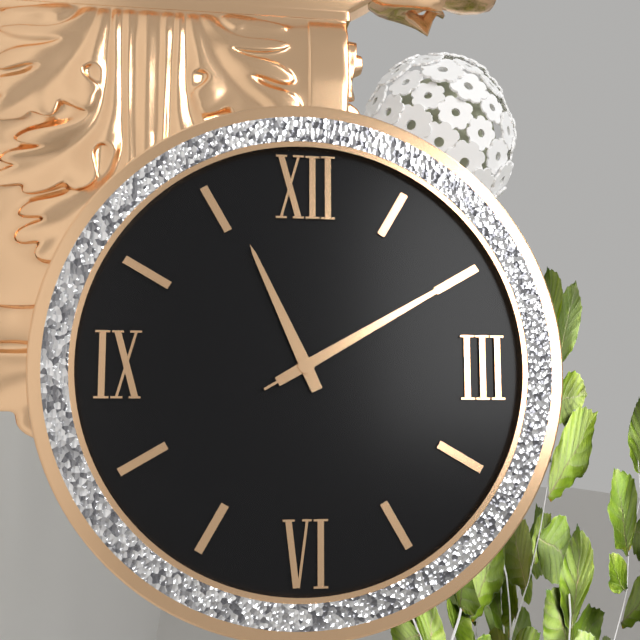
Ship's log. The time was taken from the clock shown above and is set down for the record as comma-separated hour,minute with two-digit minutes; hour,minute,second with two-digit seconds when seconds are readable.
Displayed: 11,10,10
